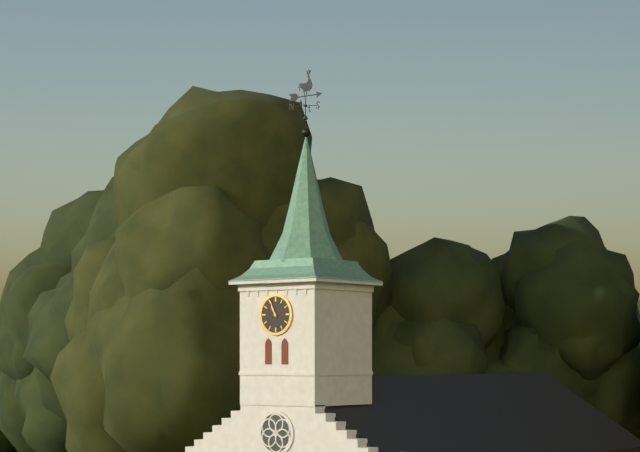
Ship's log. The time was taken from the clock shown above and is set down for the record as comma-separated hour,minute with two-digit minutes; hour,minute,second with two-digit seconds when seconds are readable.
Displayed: 10,56
